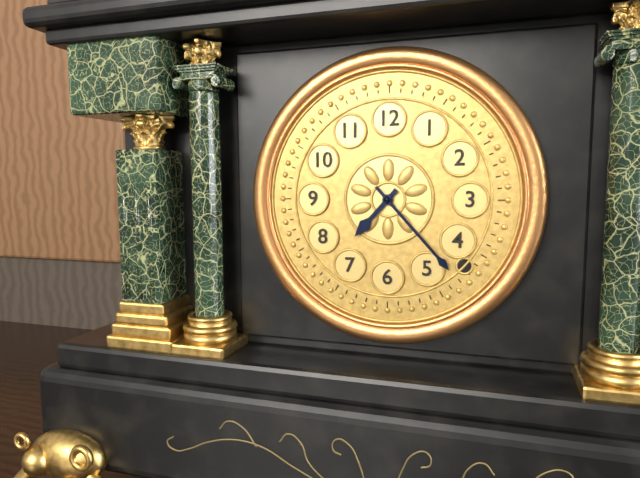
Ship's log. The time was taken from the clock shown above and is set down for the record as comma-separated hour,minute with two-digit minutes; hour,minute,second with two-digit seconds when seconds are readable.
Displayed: 7,23
